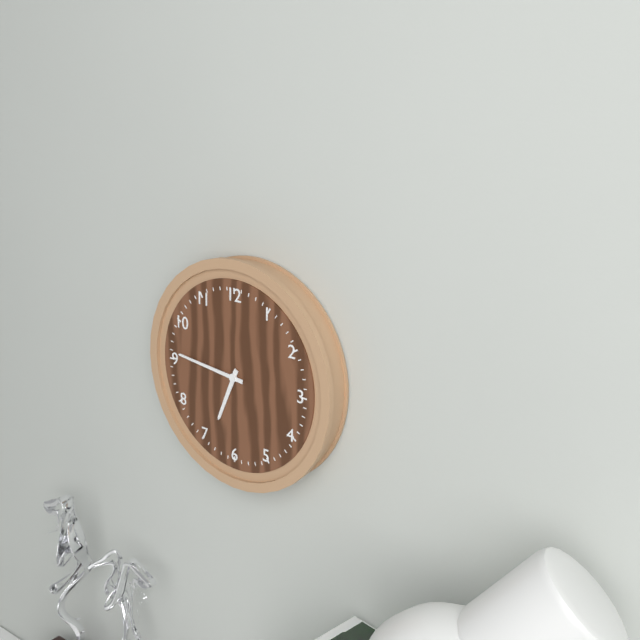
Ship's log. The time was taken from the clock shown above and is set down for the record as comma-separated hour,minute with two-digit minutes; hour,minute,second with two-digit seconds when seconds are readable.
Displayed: 6,46
